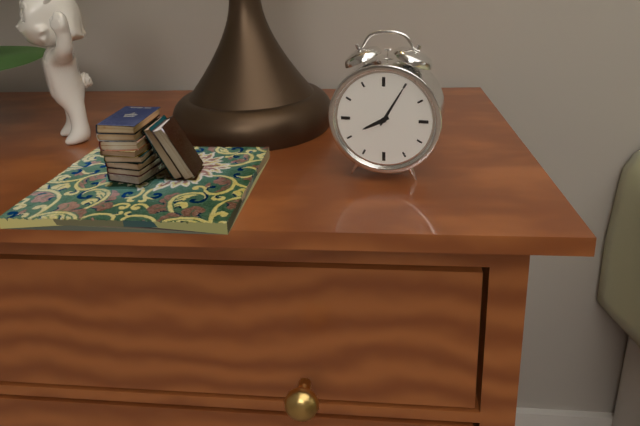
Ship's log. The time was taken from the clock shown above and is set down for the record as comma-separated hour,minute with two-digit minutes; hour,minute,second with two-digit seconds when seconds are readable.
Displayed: 8,05
